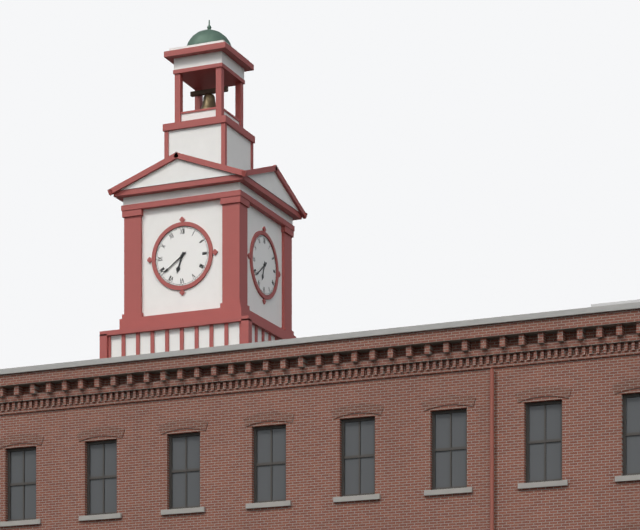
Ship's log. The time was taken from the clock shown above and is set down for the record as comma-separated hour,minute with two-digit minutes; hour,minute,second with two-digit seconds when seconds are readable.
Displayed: 6,39
